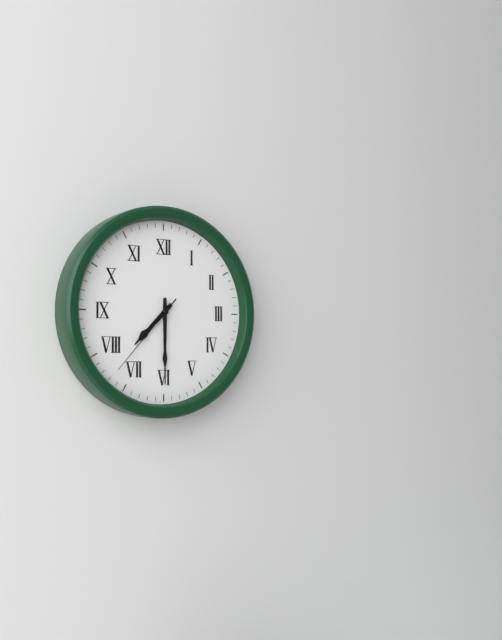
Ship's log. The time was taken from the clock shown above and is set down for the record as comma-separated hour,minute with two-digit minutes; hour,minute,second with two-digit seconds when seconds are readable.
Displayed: 7,30,37
